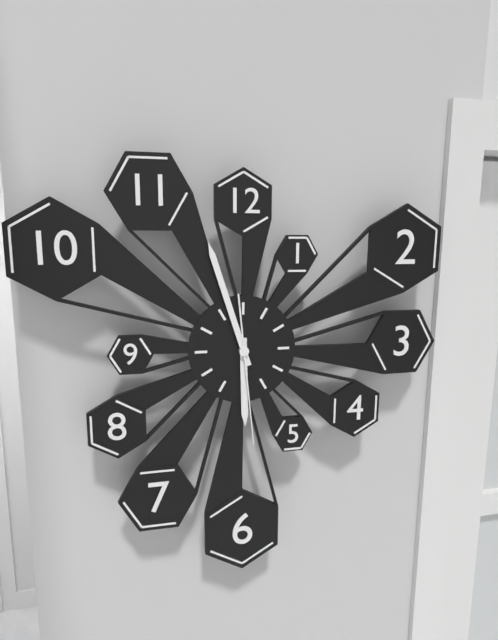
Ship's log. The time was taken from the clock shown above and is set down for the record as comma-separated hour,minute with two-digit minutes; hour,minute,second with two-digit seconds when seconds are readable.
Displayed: 5,57,29
